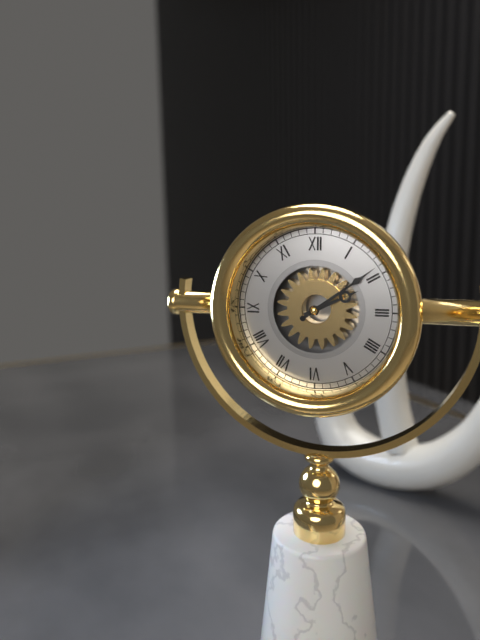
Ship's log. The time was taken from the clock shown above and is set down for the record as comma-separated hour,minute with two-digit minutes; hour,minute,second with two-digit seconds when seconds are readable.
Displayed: 2,09
